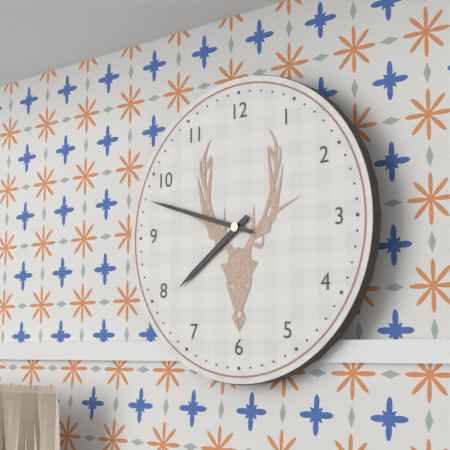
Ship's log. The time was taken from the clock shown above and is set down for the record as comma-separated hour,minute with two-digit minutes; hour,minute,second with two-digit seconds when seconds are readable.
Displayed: 7,48
